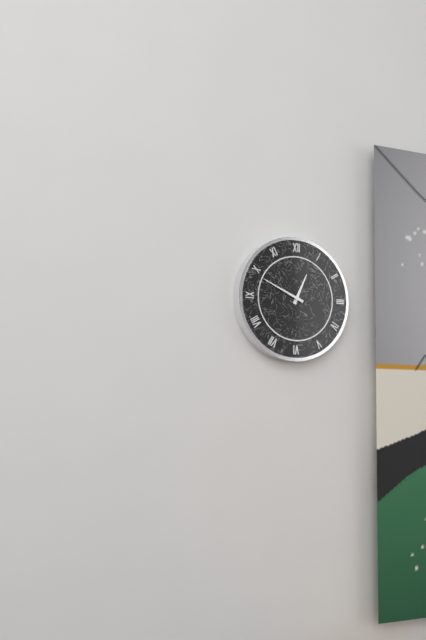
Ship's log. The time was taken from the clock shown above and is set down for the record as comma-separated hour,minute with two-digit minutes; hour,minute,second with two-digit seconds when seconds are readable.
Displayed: 12,49
